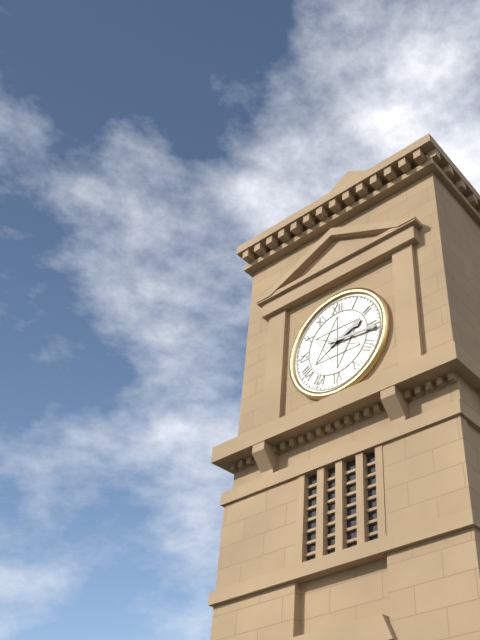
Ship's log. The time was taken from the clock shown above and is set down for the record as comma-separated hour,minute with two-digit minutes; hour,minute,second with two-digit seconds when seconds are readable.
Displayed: 2,16
